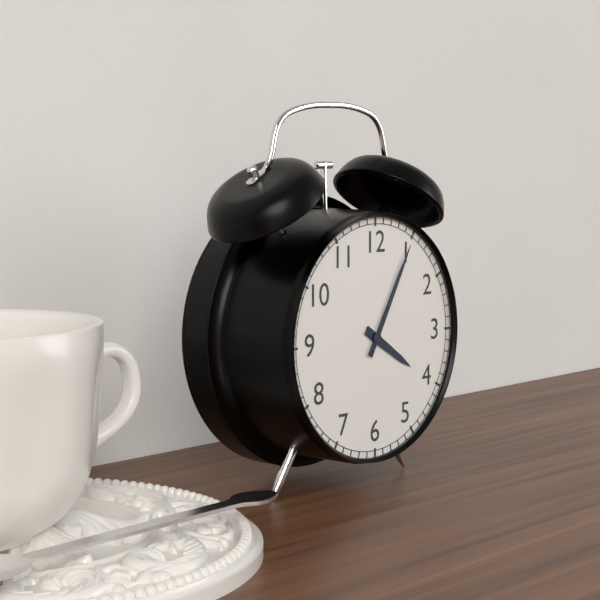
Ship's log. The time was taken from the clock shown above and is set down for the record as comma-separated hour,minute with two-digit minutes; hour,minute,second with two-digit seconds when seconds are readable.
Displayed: 4,05
